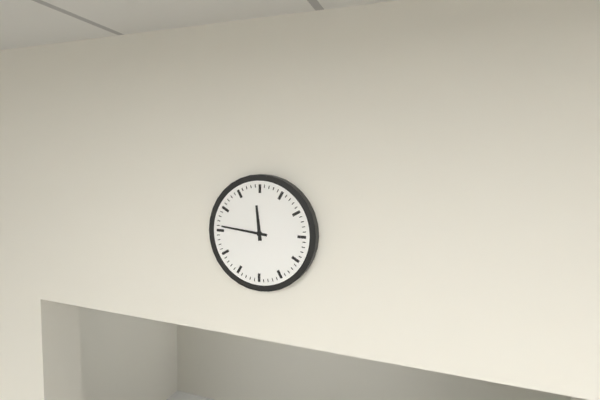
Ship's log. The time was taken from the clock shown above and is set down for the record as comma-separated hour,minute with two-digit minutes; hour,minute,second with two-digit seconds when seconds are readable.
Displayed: 11,46
